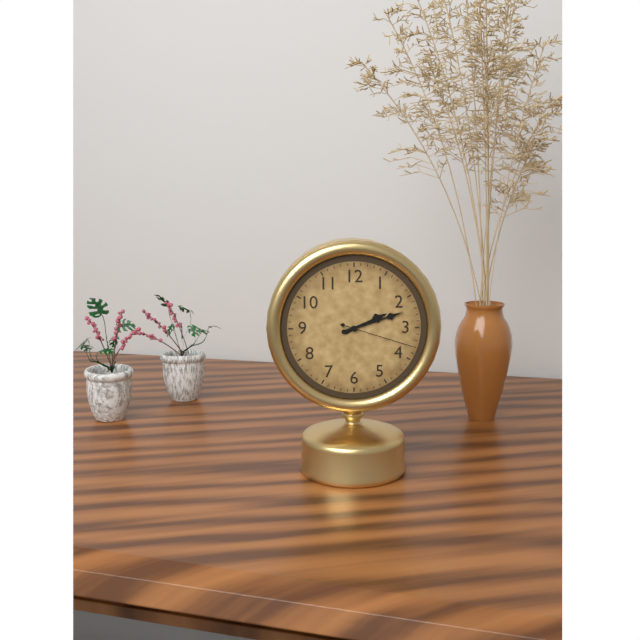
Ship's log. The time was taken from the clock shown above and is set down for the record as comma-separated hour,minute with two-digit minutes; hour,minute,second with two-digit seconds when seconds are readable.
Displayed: 2,12,18
